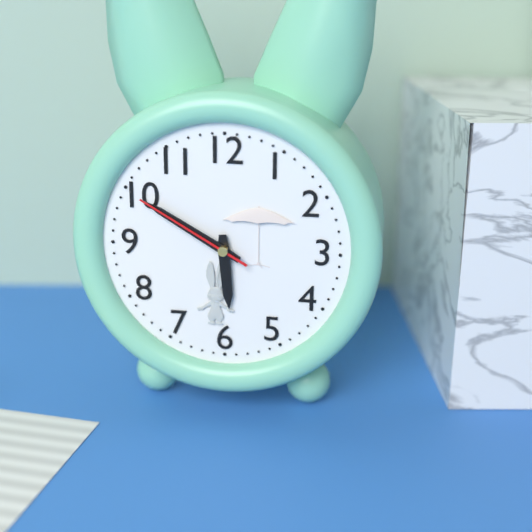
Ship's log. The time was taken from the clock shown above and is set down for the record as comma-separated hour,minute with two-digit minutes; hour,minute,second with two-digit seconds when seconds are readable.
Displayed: 5,50,50
